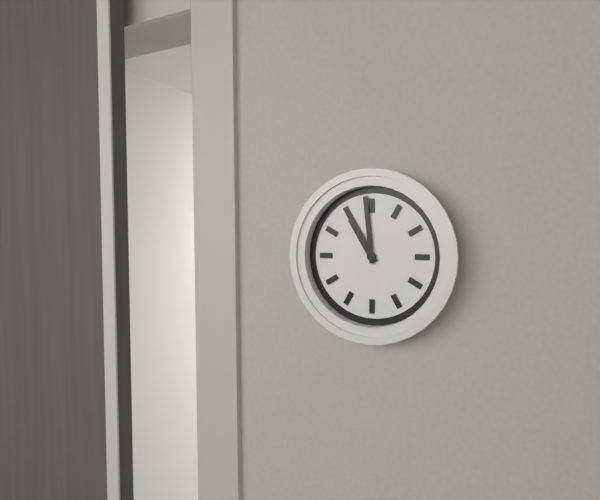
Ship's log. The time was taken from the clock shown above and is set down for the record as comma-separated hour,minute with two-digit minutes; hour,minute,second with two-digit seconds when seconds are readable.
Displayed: 10,59
